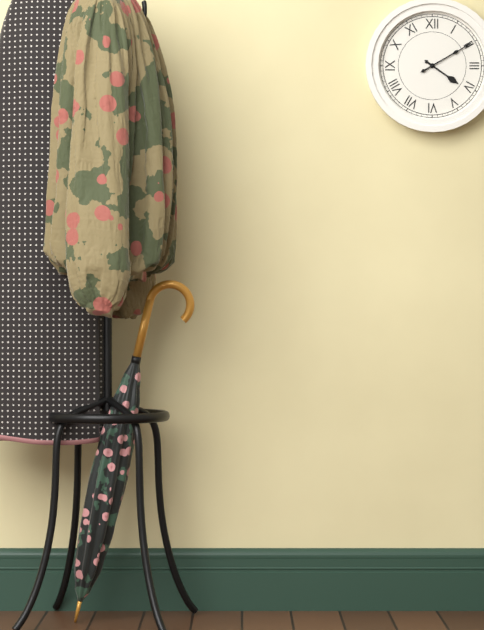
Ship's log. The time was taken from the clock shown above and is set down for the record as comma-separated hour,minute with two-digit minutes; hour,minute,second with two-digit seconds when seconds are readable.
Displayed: 4,10
